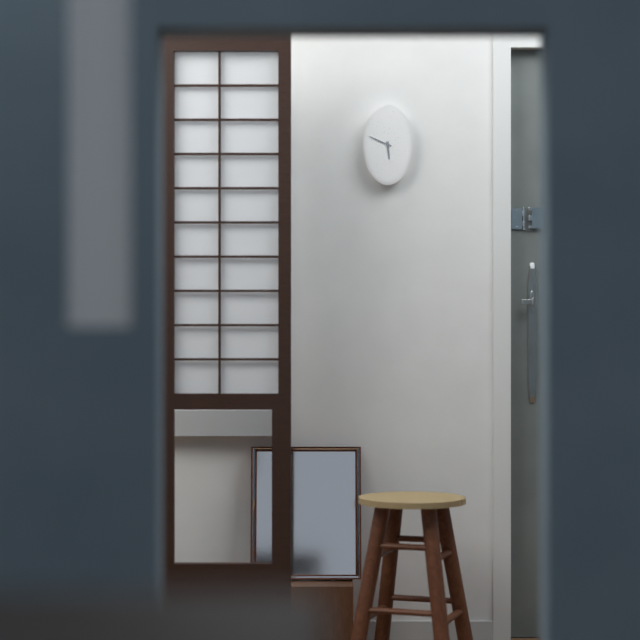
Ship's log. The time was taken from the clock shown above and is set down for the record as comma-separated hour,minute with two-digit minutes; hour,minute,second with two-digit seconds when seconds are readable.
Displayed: 5,49
